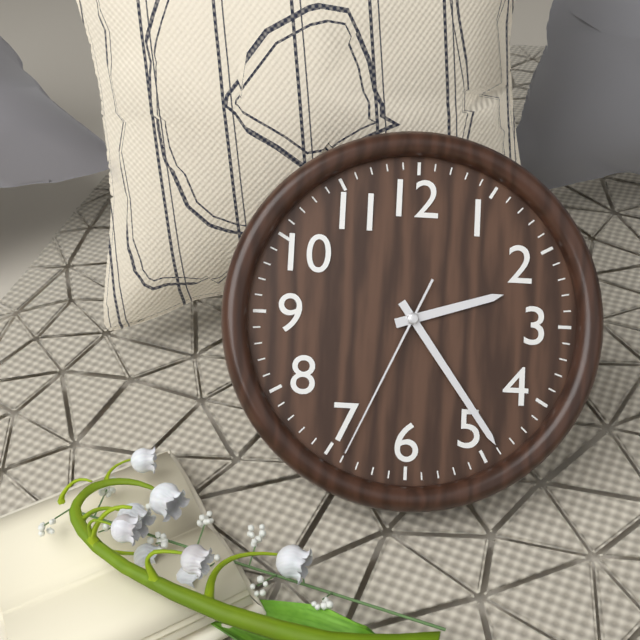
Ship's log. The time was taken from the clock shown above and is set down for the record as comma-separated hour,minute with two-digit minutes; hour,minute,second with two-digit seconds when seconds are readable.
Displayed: 2,24,34
